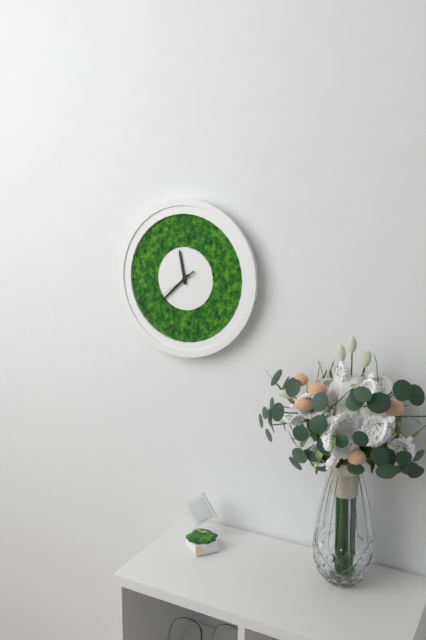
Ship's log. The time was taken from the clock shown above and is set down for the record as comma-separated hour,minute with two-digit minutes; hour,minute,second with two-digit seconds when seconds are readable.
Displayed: 11,38
